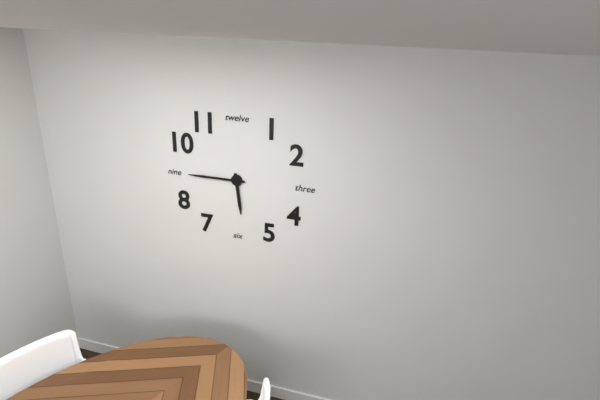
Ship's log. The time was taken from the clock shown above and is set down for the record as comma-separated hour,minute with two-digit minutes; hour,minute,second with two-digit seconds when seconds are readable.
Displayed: 5,45
